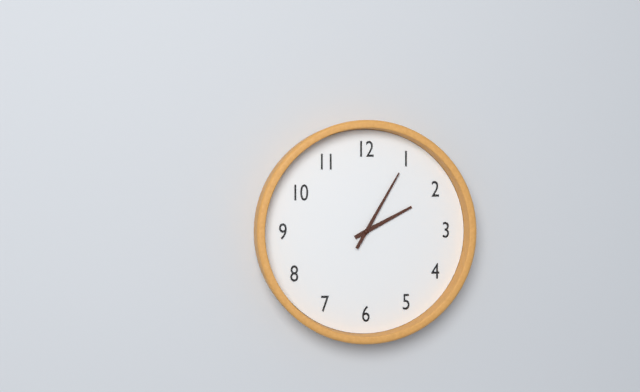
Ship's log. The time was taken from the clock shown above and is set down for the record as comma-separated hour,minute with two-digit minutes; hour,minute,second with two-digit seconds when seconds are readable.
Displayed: 2,05
